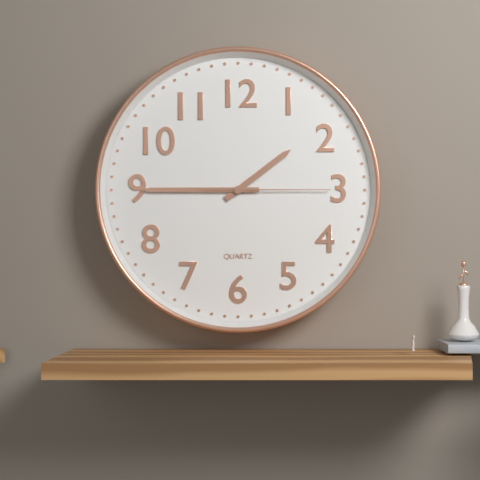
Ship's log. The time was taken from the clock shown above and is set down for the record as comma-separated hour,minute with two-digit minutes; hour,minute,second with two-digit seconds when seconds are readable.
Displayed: 1,45,15
